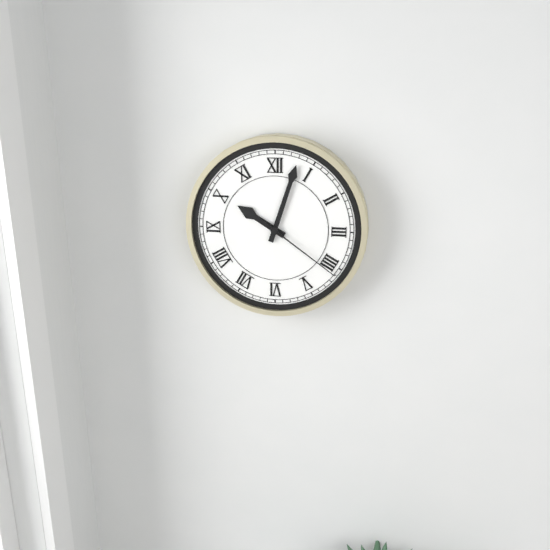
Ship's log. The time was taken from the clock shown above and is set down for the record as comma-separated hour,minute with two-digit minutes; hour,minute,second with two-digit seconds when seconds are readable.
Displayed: 10,03,21
